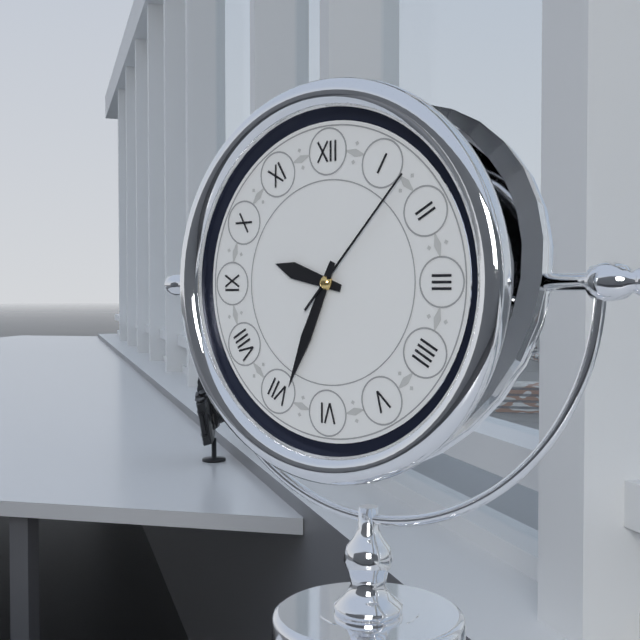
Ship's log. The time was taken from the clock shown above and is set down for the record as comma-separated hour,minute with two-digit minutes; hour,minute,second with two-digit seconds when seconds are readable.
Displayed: 9,34,07
